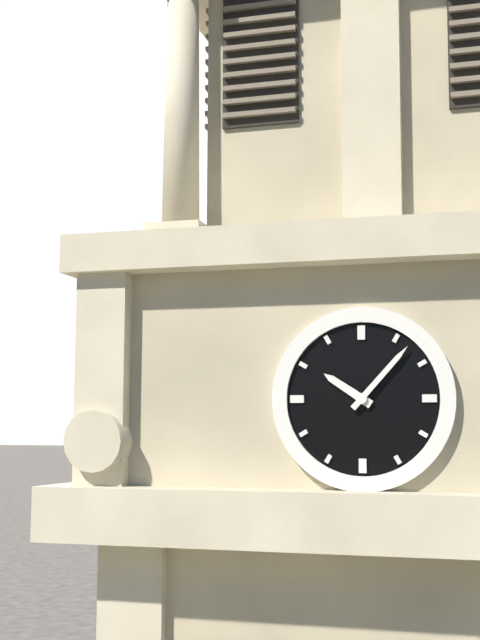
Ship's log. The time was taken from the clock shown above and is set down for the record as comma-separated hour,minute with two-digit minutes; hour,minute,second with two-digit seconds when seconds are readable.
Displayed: 10,07
